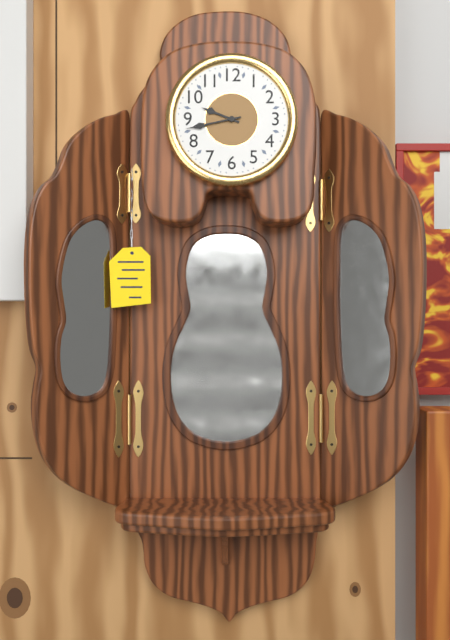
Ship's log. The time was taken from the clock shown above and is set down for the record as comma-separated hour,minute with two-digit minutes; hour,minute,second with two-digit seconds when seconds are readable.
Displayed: 9,43
